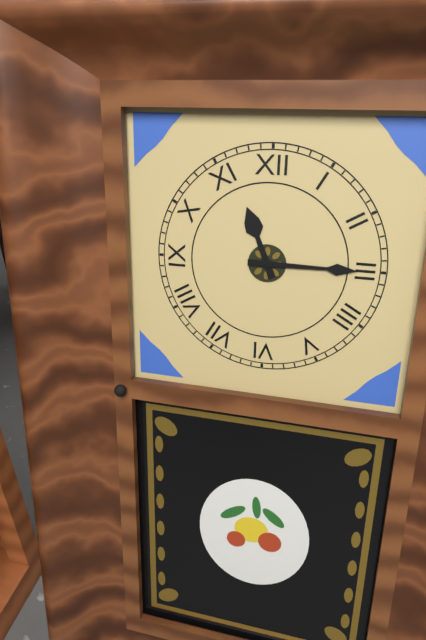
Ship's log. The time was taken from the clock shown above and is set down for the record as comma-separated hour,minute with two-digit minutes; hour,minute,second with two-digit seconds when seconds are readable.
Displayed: 11,15
